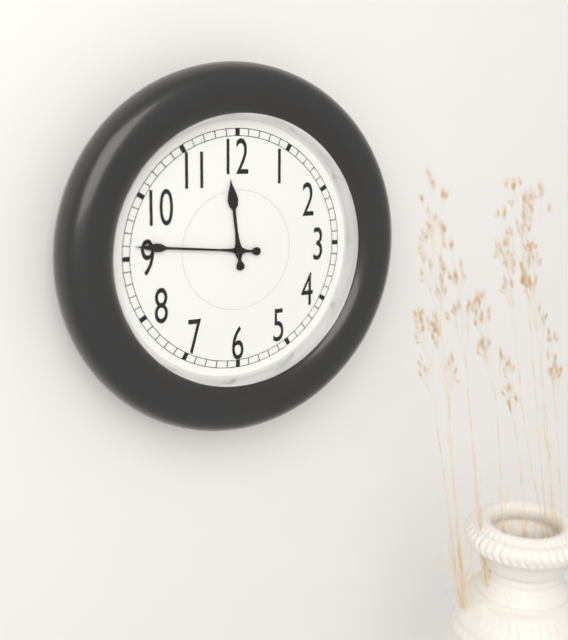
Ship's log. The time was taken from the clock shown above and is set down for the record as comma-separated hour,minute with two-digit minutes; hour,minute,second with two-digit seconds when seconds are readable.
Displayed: 11,46
